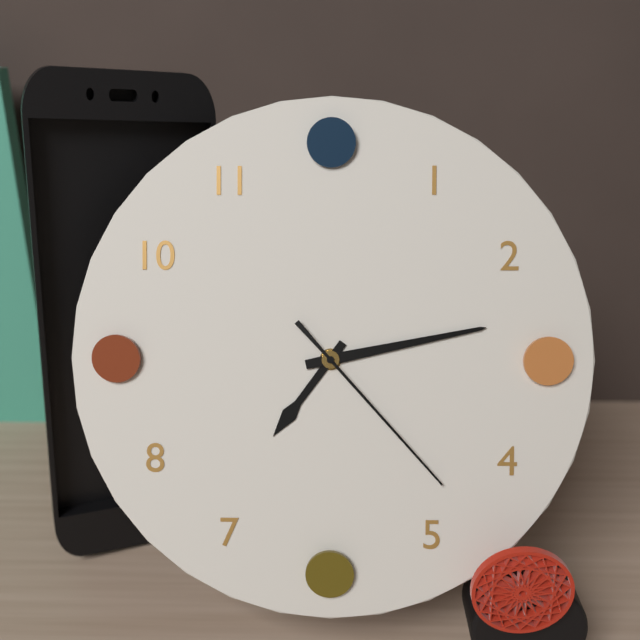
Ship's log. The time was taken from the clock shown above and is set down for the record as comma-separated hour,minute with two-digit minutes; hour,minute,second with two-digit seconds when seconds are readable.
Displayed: 7,13,23
